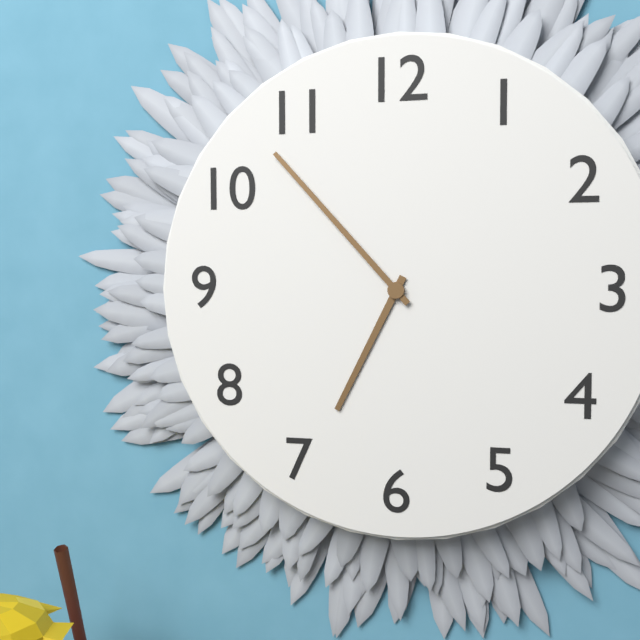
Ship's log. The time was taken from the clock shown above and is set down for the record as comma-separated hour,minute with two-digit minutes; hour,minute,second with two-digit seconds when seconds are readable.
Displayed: 6,53
